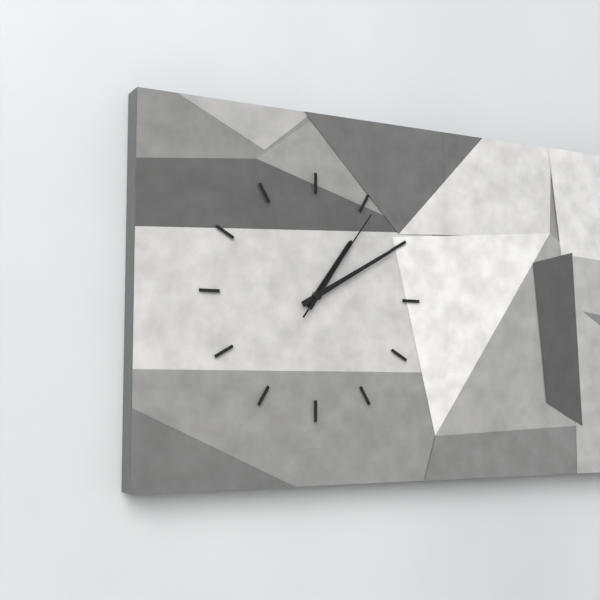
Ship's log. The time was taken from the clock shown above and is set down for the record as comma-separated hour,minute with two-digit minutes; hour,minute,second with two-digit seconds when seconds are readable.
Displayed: 1,10,06
